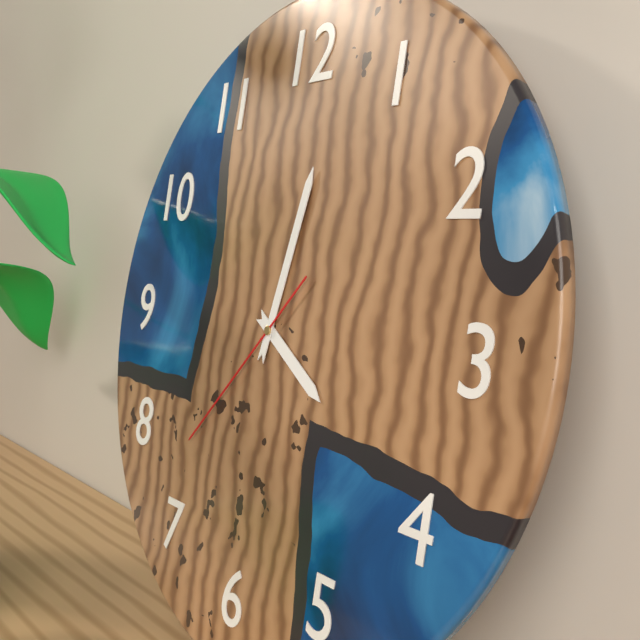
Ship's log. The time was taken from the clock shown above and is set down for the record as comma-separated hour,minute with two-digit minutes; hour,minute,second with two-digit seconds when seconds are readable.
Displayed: 4,02,37
